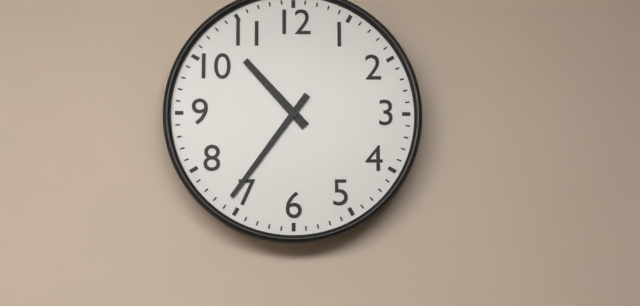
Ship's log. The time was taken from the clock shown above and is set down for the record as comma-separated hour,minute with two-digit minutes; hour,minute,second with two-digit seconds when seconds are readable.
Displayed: 10,36
